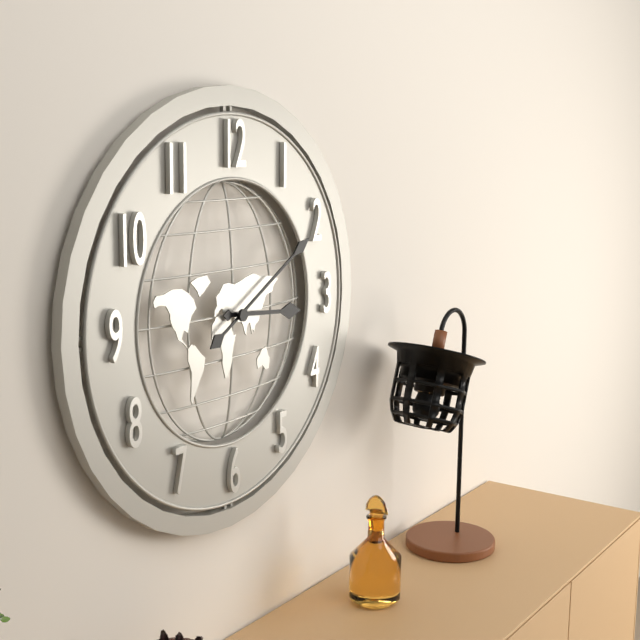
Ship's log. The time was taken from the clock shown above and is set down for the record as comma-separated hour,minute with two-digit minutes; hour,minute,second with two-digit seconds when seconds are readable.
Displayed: 3,10
